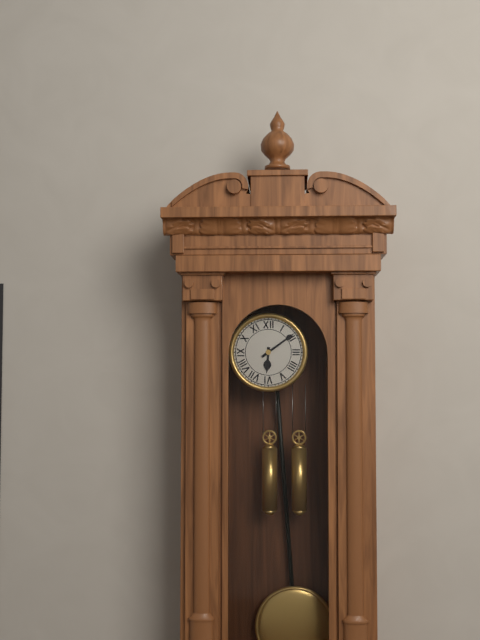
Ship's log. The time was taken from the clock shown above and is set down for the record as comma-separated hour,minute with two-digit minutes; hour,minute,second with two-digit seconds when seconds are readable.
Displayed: 6,09
